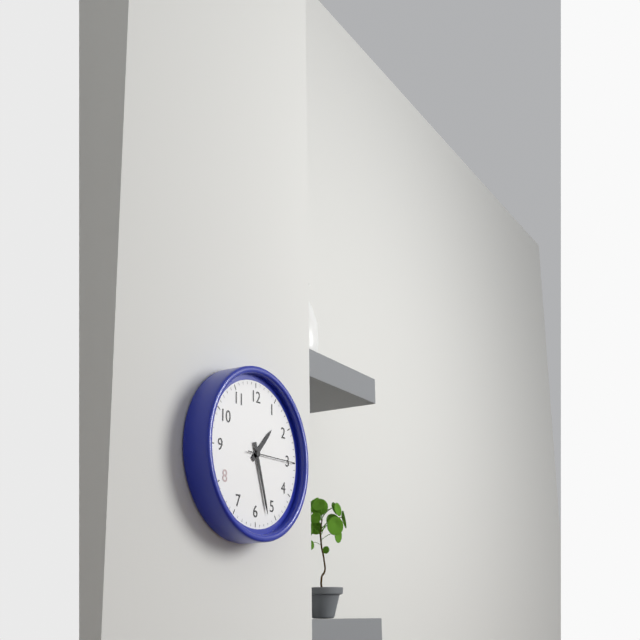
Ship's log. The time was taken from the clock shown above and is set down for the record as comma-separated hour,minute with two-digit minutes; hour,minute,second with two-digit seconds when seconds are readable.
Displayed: 1,27
